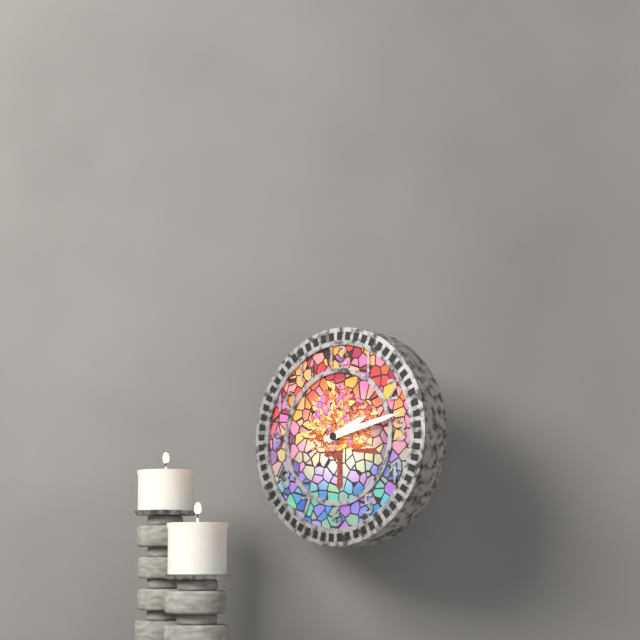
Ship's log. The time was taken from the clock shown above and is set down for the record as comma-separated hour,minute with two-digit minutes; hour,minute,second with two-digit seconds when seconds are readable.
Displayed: 2,13
